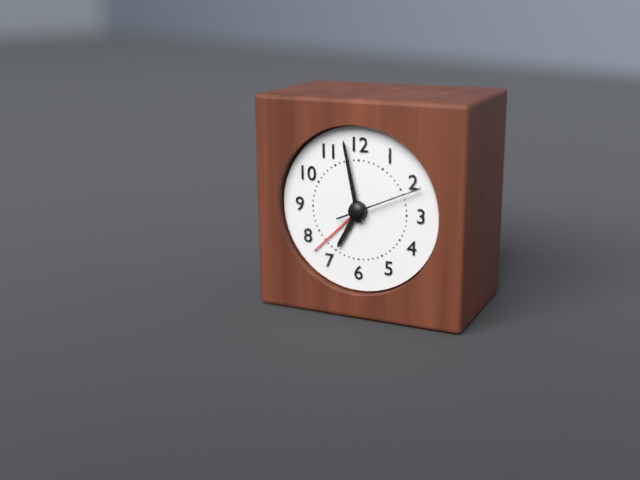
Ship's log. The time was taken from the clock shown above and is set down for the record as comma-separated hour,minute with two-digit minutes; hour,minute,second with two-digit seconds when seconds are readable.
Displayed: 6,58,11
